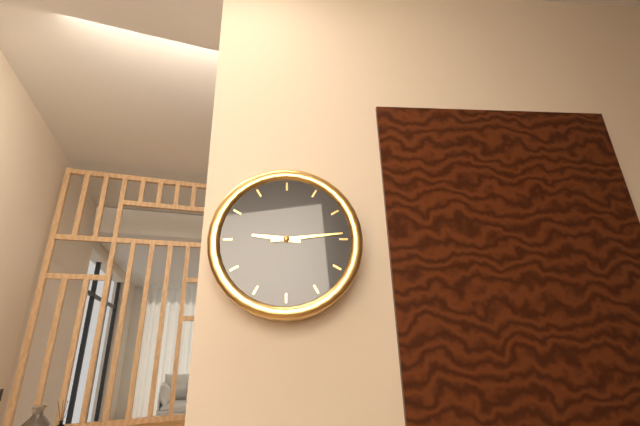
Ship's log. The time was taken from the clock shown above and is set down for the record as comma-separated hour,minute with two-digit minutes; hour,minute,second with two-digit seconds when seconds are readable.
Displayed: 9,14
